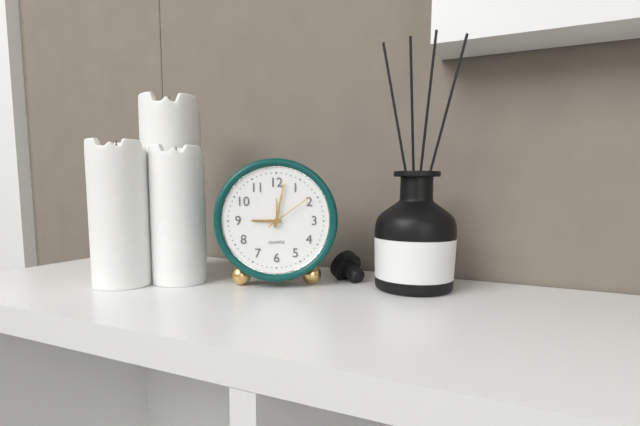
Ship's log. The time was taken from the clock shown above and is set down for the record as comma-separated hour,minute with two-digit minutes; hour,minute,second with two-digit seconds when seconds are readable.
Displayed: 9,02,09
